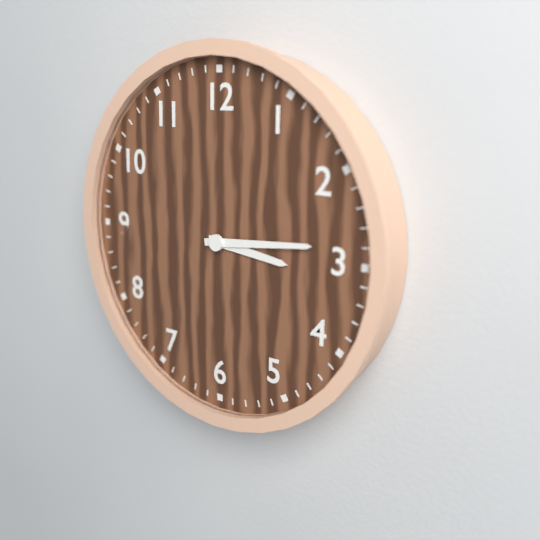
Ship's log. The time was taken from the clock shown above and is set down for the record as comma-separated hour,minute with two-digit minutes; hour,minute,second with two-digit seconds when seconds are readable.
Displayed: 3,14
